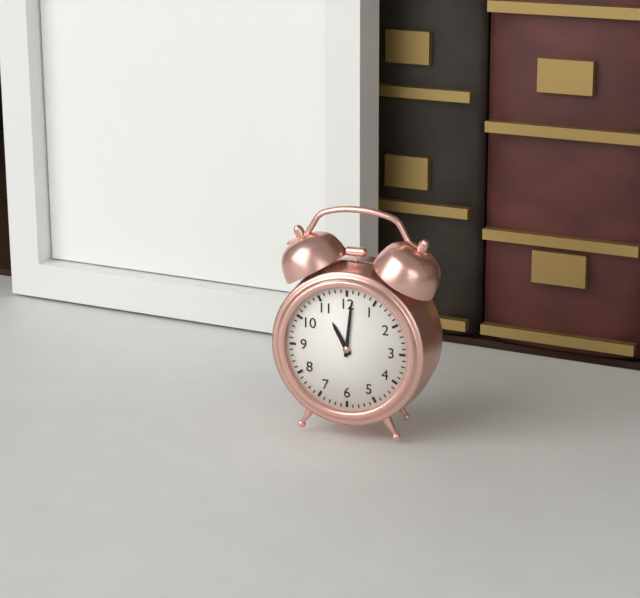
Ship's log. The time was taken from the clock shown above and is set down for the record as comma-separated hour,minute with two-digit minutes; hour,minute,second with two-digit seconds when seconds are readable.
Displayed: 11,01
